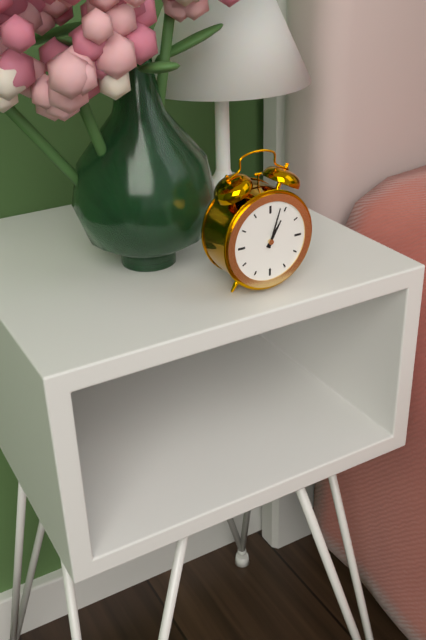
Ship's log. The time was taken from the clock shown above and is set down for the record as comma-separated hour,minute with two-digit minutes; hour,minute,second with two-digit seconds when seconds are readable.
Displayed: 1,03
